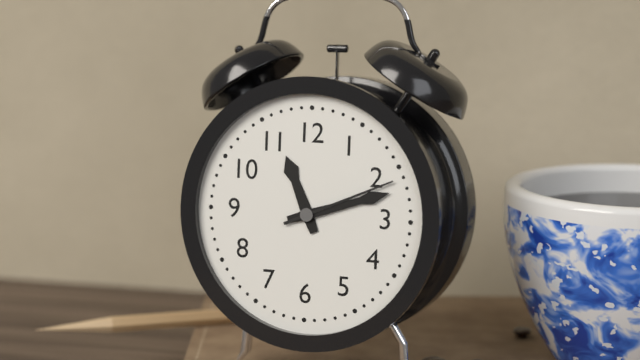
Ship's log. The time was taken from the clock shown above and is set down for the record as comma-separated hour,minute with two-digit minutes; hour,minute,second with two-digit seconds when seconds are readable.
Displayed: 11,12,11
